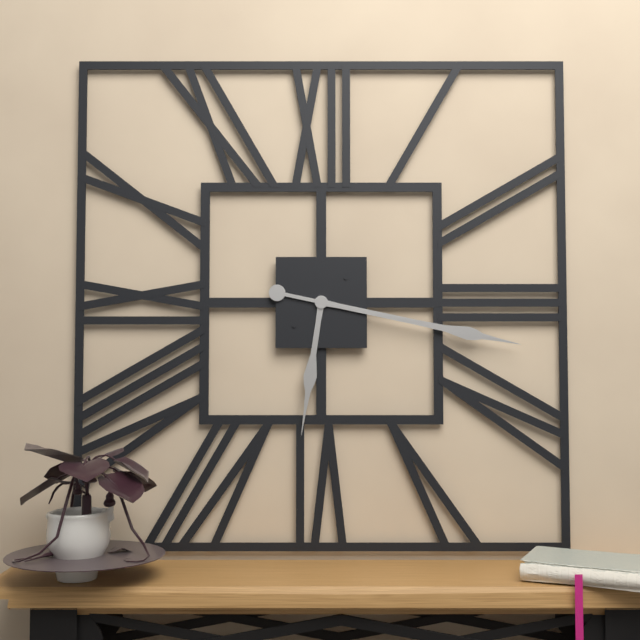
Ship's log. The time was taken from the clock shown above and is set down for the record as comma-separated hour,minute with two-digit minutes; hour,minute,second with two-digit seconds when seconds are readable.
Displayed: 6,17
